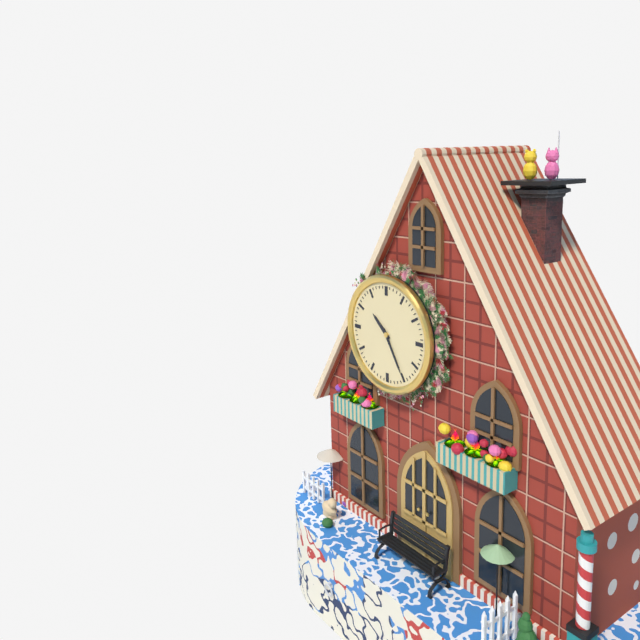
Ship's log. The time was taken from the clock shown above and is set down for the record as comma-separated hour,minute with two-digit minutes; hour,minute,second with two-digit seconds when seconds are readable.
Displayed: 10,25
